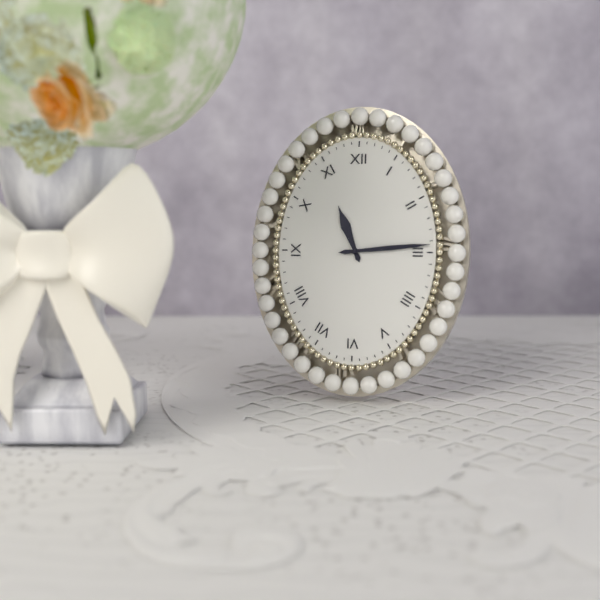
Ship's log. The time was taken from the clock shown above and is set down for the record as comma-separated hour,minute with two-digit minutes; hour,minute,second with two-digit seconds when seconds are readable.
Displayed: 11,14
